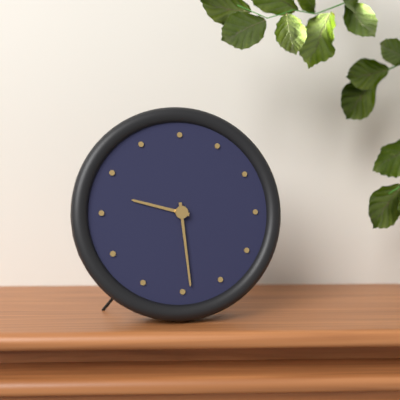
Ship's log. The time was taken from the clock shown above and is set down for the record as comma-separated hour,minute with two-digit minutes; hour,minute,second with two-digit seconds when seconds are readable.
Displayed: 9,29
